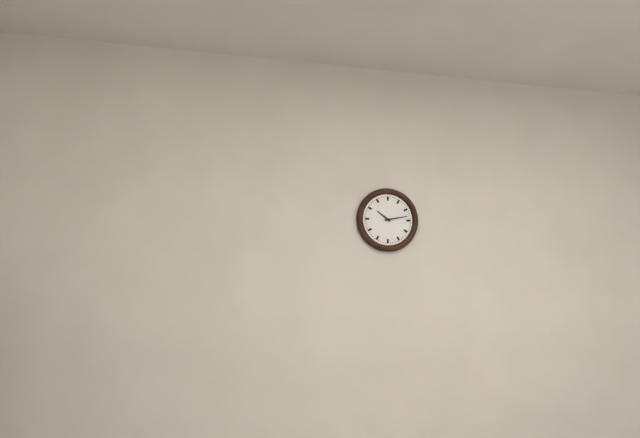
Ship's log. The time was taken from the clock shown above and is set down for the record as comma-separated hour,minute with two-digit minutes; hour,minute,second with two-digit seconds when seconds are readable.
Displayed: 10,13
